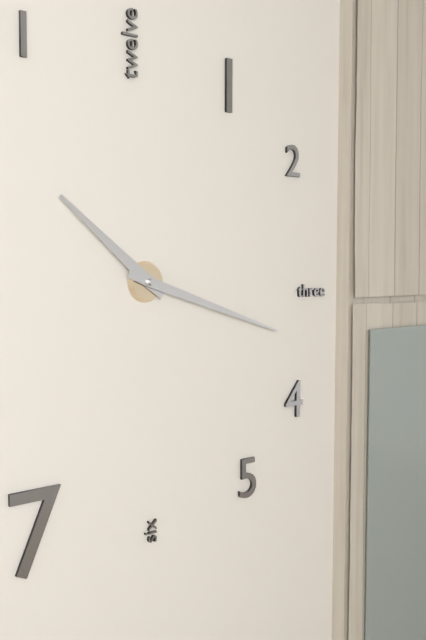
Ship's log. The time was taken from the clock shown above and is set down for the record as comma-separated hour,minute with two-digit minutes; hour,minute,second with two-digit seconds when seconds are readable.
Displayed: 10,18
